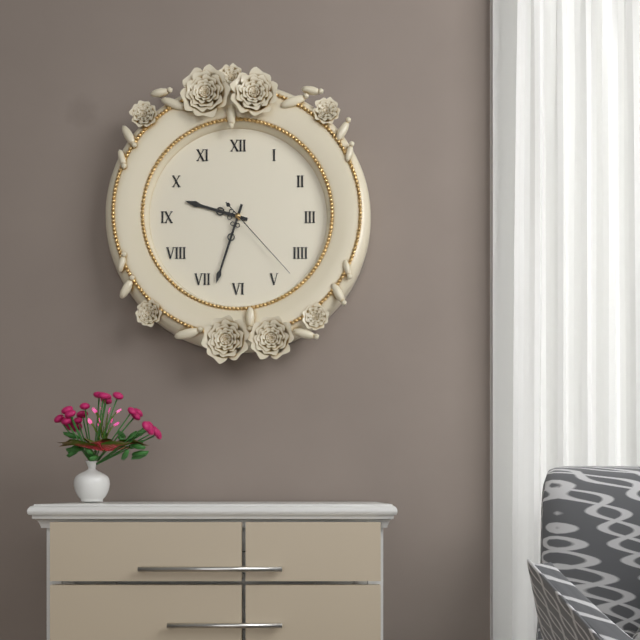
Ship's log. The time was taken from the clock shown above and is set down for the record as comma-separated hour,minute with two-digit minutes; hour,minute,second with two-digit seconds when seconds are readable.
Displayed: 9,33,23
